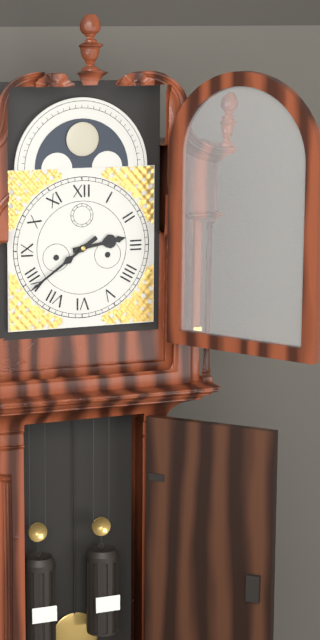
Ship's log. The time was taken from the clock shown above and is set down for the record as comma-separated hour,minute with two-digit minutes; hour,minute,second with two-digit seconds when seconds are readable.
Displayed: 2,39
